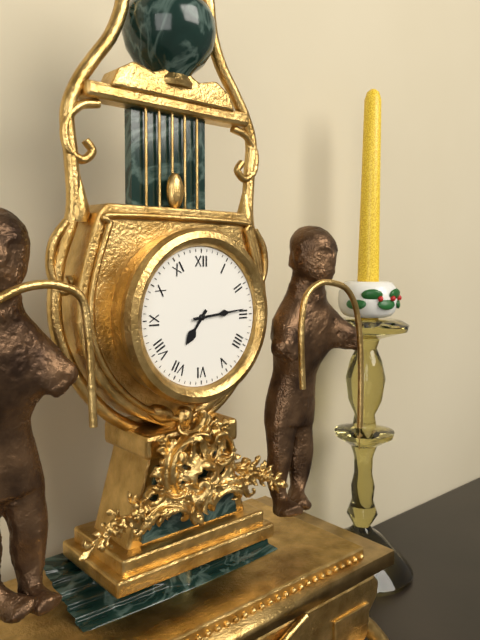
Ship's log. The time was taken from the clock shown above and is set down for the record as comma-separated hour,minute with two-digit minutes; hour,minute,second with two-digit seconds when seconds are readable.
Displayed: 7,14
